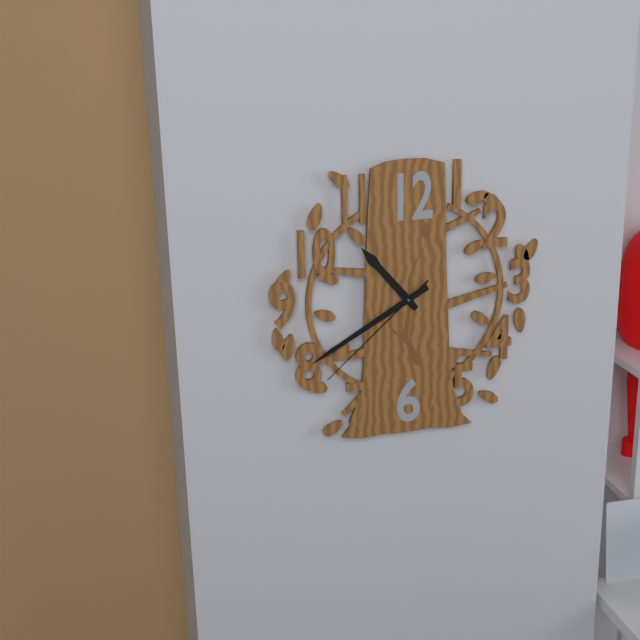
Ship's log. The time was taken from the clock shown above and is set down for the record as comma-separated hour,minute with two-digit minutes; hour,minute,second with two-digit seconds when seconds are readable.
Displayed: 10,40,38
